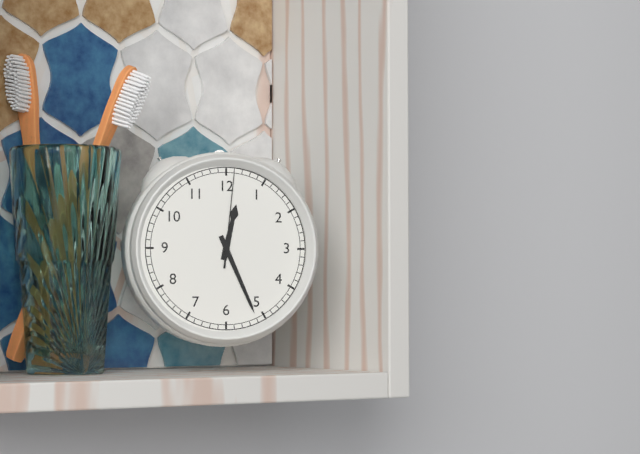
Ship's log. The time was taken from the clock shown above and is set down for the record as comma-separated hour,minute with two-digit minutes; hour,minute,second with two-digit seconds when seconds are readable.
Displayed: 12,26,01
